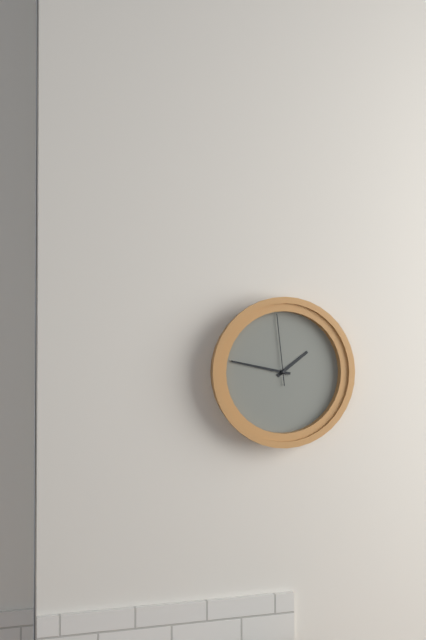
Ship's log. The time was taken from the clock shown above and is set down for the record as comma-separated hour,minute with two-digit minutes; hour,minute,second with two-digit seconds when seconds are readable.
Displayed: 1,47,59
